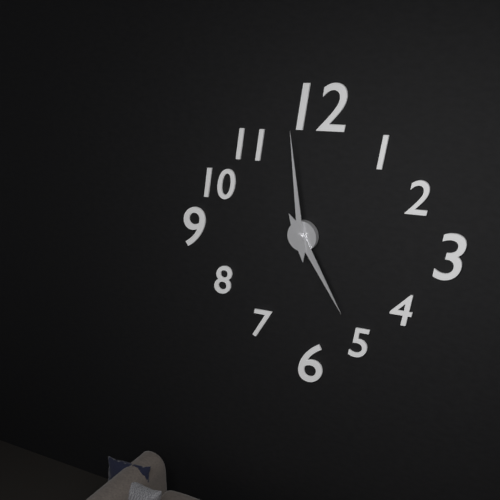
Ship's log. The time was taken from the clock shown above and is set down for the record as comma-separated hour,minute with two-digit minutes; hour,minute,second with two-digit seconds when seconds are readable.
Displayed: 4,59
